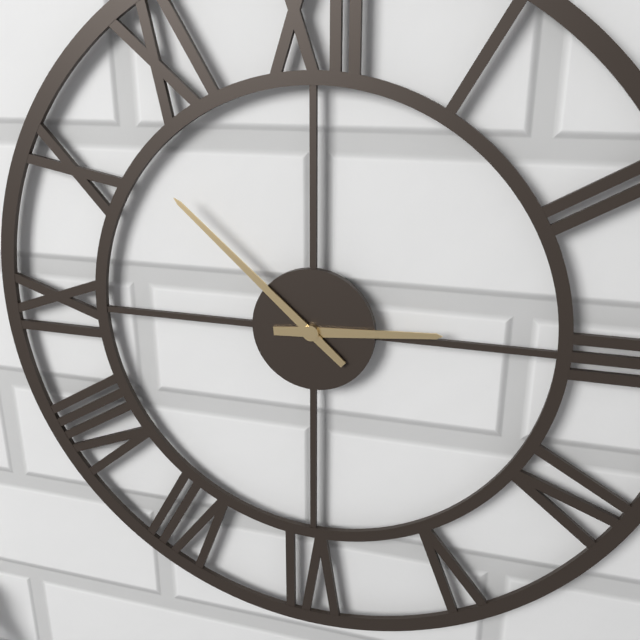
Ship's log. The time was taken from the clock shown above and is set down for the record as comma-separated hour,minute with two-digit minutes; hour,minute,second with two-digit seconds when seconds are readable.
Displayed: 2,52
